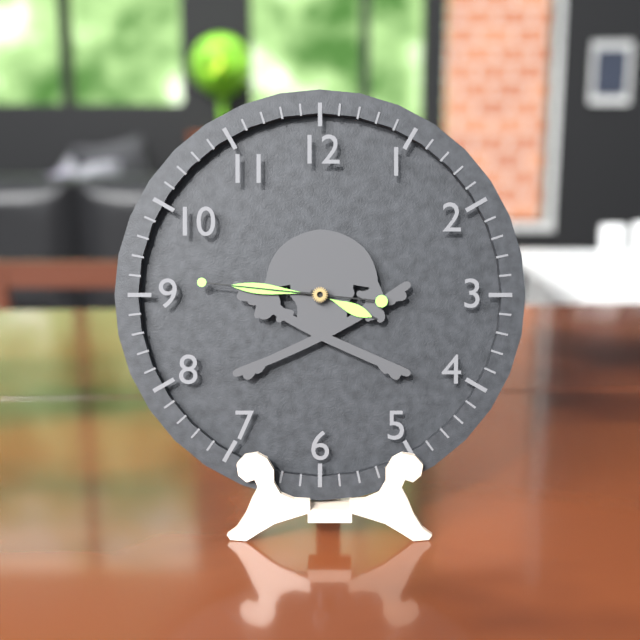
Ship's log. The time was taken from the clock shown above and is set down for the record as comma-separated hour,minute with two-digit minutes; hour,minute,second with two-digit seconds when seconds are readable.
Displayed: 3,46,46
